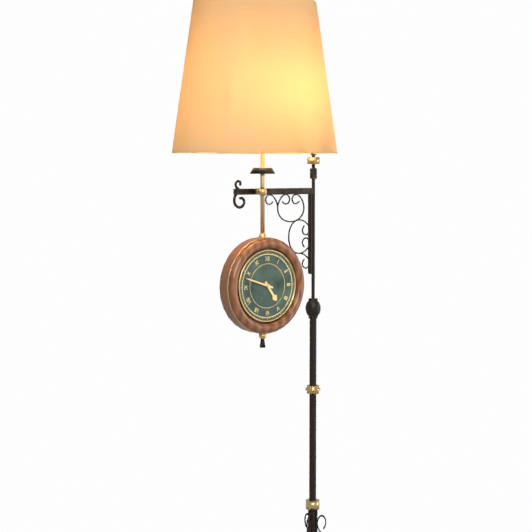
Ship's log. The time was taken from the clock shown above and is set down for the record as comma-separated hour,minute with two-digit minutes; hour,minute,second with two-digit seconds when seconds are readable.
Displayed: 4,48
